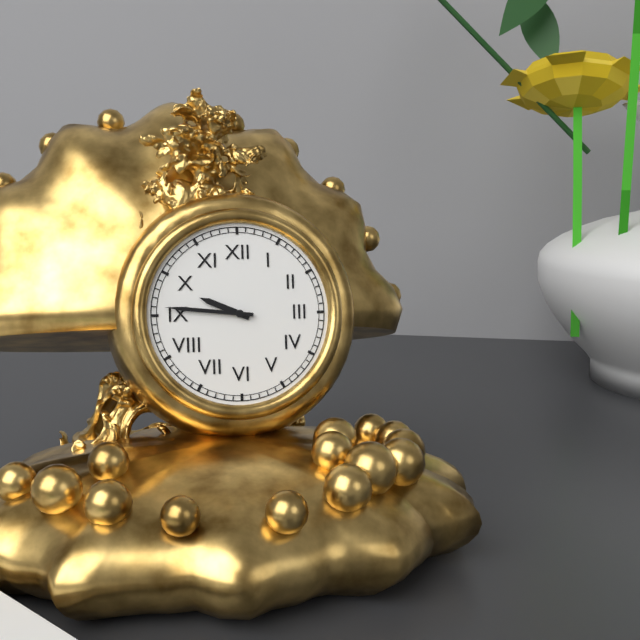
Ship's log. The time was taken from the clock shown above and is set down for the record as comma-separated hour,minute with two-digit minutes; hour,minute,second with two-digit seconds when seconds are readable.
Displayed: 9,46
